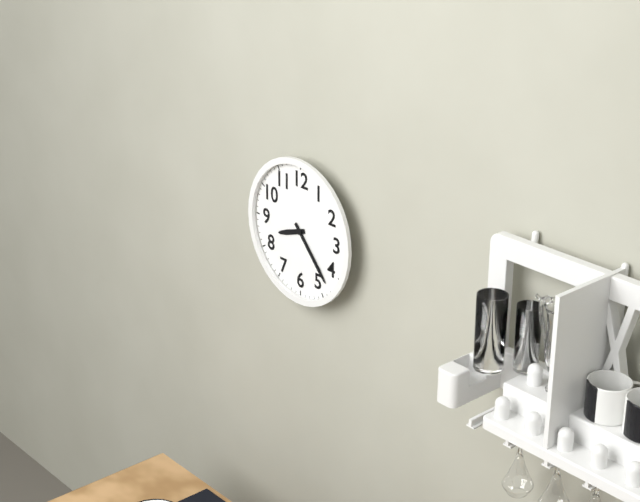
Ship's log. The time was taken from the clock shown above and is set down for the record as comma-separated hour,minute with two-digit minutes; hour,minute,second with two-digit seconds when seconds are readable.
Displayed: 8,23
